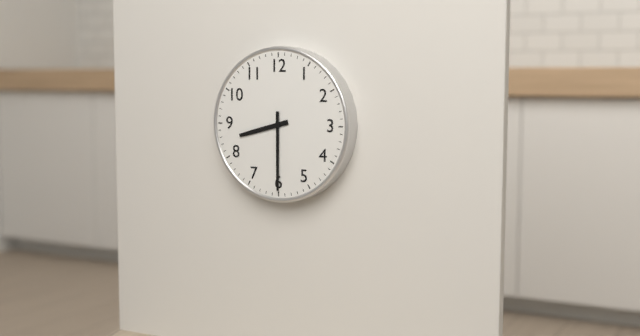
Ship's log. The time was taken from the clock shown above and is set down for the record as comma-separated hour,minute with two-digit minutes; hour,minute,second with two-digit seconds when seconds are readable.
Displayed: 8,30
